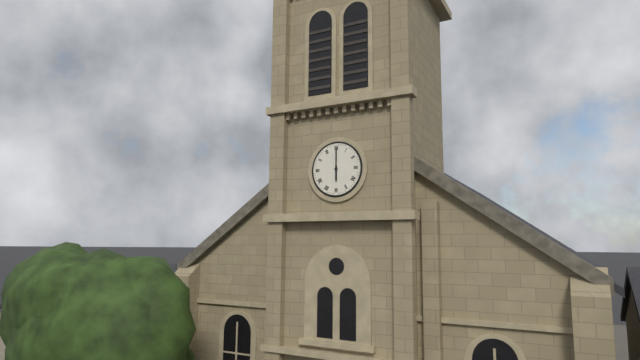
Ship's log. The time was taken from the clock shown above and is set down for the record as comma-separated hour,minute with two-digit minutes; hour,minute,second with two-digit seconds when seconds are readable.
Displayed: 6,00
